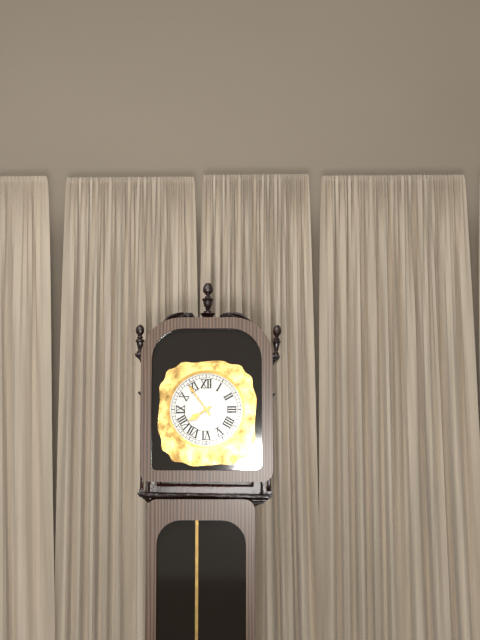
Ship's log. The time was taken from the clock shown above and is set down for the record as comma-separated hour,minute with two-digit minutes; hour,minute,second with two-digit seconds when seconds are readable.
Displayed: 7,54
